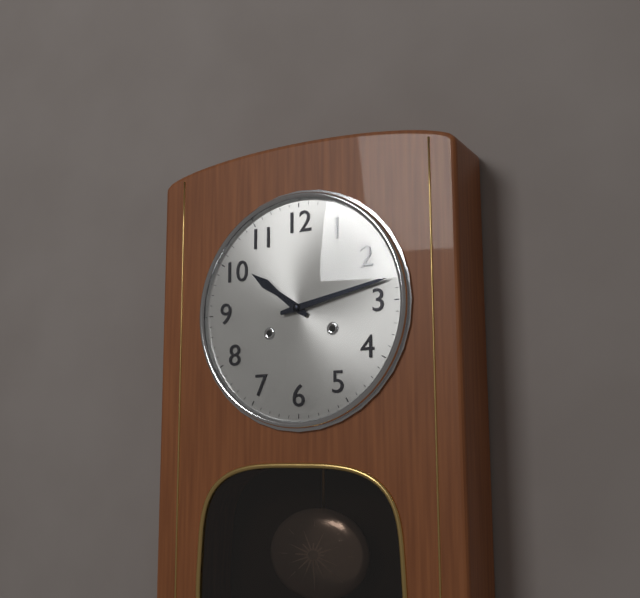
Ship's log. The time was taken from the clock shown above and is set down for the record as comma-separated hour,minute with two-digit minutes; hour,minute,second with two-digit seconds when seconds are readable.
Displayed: 10,13
